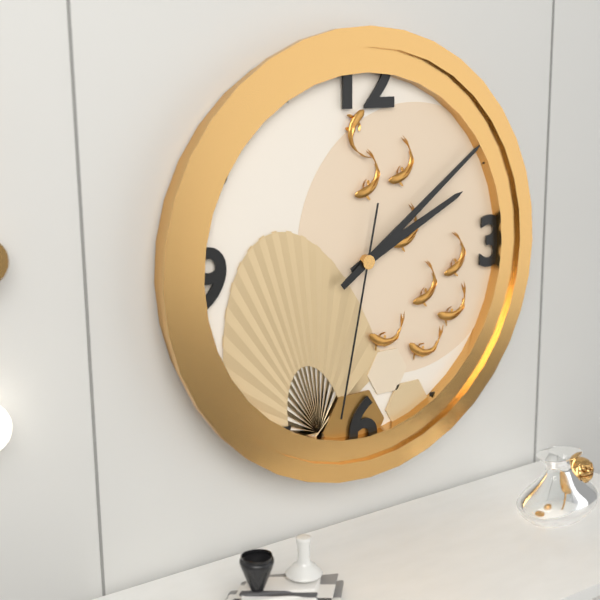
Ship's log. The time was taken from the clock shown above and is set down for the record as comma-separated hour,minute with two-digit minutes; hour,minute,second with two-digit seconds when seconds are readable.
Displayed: 2,09,32
